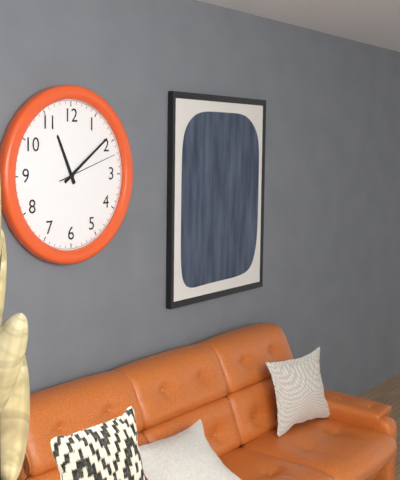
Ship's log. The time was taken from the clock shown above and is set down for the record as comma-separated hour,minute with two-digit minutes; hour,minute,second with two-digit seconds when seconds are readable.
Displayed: 11,09,12
